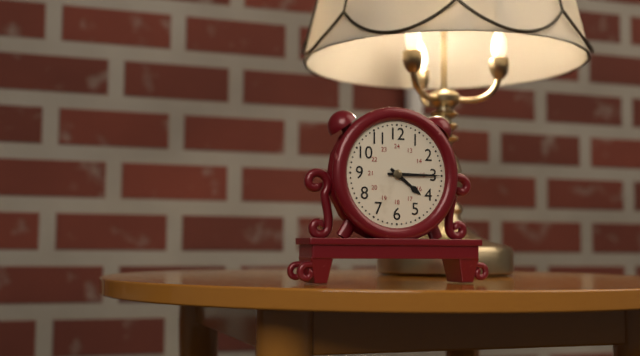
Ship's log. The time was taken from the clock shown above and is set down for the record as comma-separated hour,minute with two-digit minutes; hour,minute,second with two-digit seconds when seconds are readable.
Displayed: 4,15
